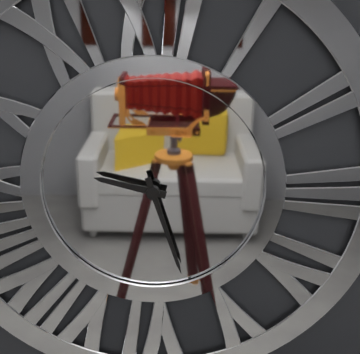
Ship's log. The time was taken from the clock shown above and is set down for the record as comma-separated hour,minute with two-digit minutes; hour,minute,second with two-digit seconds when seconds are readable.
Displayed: 9,27
